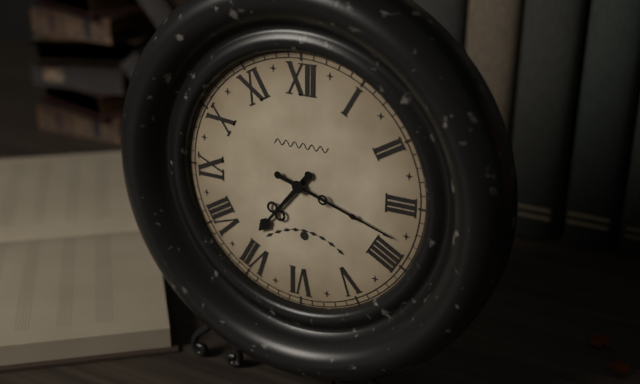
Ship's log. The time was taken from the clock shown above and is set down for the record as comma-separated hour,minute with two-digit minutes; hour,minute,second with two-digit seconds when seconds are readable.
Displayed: 7,18
